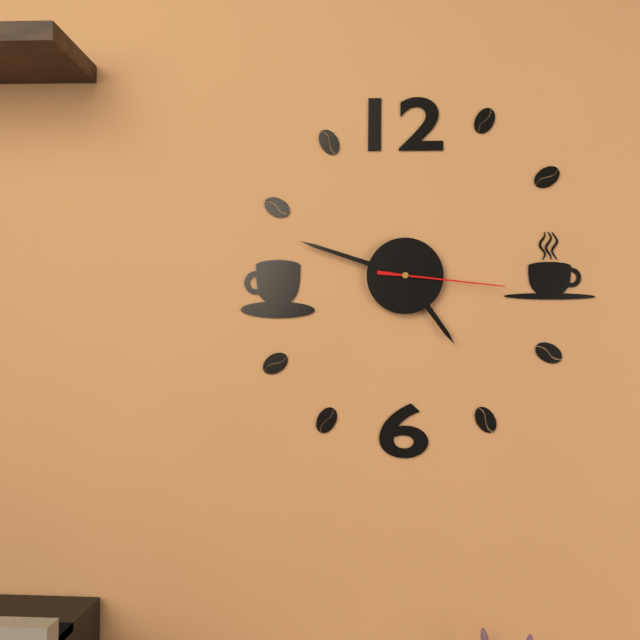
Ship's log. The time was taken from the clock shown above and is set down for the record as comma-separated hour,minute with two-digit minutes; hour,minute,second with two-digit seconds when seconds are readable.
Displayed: 4,48,16
